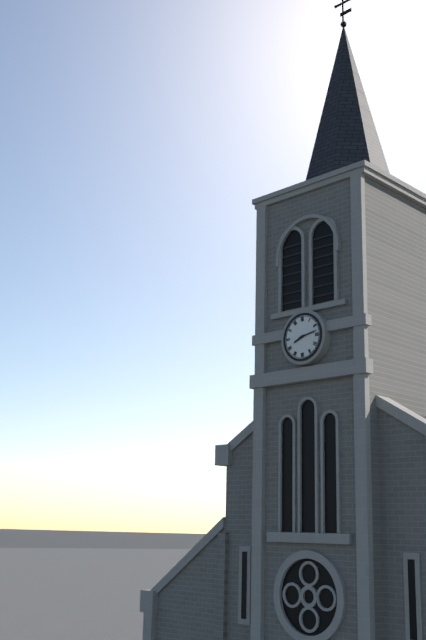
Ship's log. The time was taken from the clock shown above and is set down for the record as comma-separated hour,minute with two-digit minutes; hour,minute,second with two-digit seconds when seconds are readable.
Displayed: 8,13
